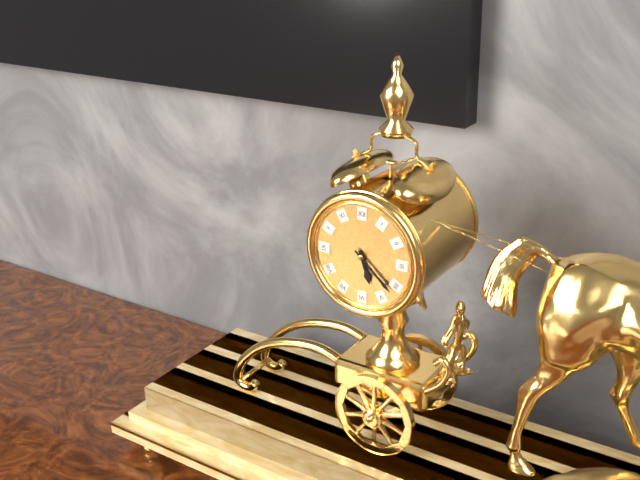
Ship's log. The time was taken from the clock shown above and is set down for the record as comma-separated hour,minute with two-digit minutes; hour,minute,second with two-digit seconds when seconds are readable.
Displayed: 5,22
